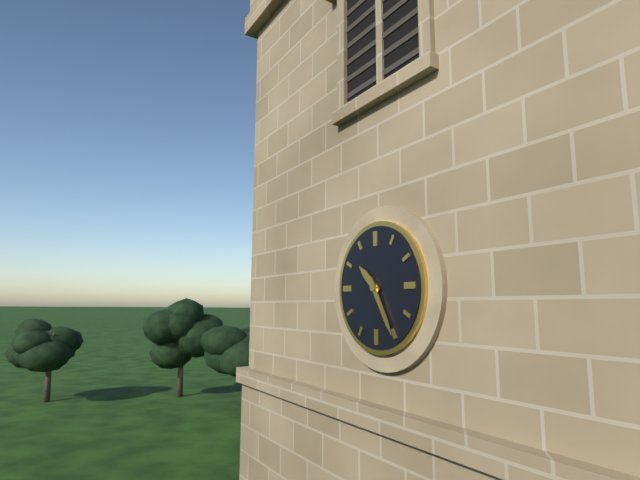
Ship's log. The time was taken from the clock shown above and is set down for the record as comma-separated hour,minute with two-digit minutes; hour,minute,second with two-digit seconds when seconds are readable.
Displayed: 10,25
